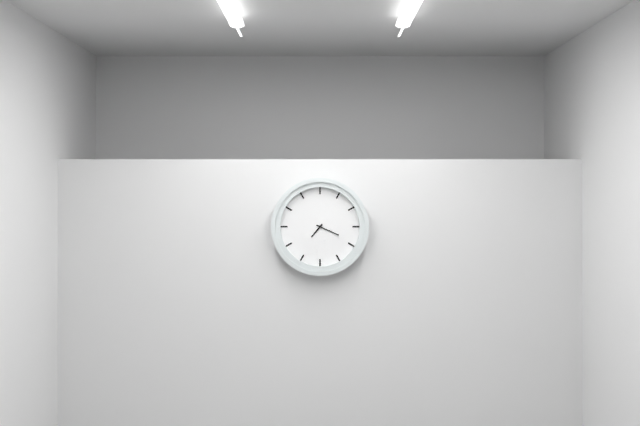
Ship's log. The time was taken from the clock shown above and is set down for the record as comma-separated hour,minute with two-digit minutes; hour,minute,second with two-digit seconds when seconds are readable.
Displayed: 7,19
